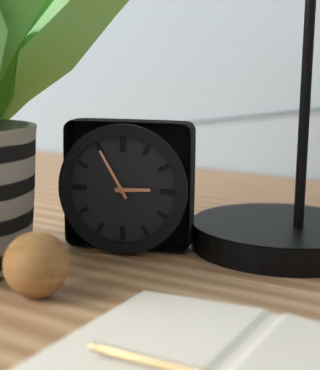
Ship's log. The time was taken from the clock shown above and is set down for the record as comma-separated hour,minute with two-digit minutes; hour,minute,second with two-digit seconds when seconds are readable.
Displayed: 2,55
